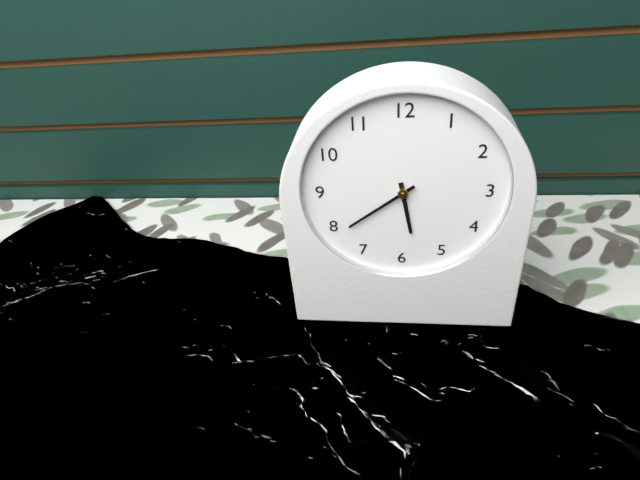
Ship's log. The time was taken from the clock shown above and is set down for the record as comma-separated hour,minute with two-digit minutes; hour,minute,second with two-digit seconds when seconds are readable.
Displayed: 5,39
